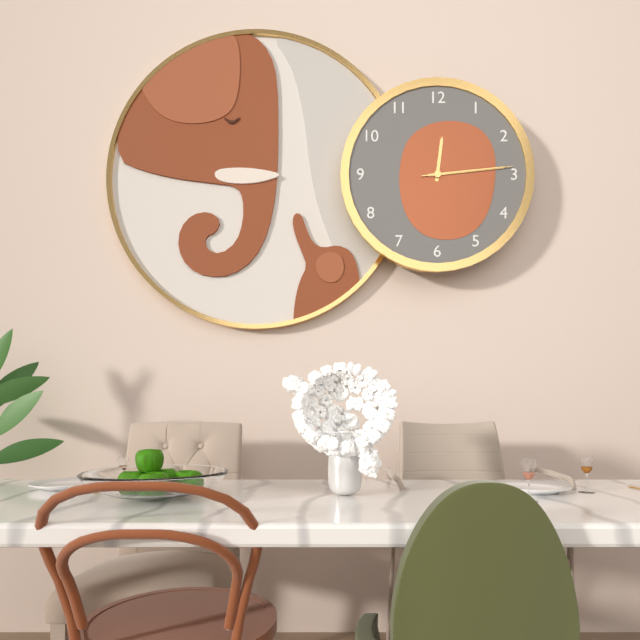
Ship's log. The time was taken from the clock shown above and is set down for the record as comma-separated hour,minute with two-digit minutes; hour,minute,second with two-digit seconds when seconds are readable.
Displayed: 12,14,14
